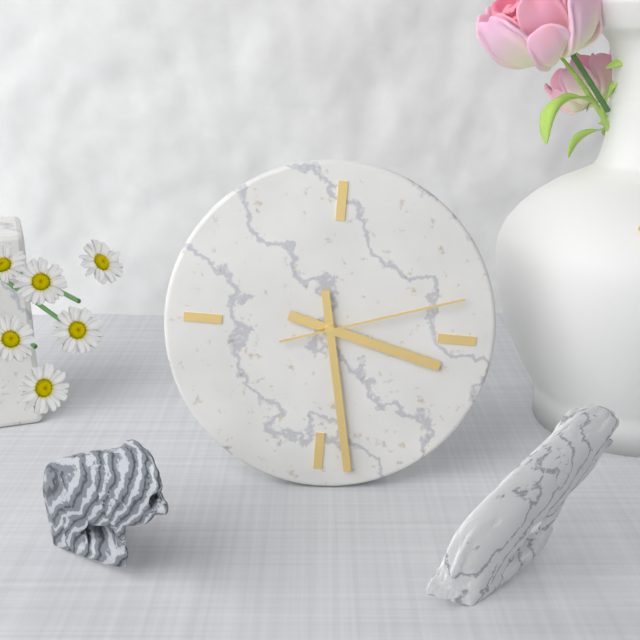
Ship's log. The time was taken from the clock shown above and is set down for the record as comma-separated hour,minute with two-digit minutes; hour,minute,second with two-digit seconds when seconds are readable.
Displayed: 3,28,12
